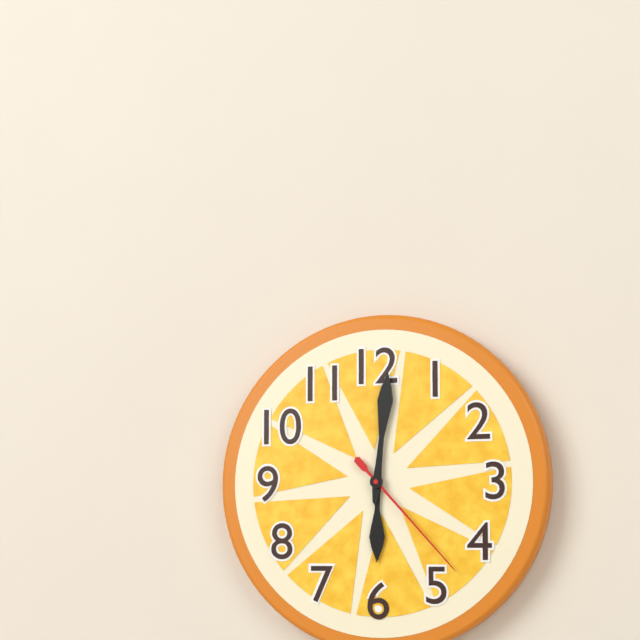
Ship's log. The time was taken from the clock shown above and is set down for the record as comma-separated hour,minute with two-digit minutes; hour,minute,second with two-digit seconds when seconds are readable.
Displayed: 6,01,23
